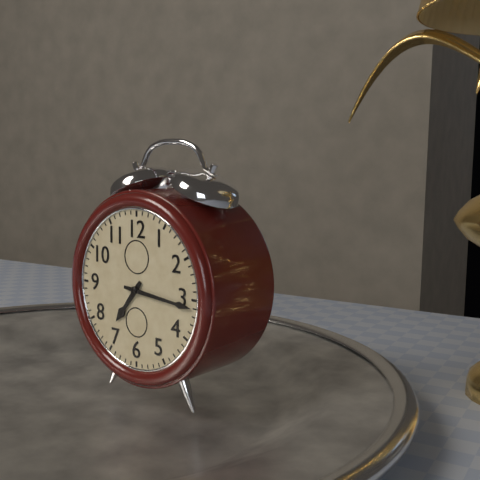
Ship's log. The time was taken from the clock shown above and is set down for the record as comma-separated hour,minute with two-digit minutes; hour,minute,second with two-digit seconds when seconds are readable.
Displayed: 7,16
